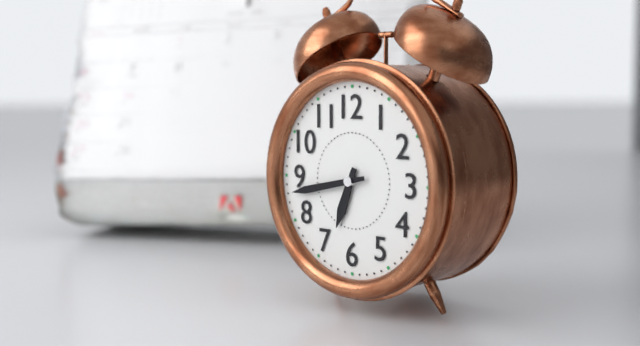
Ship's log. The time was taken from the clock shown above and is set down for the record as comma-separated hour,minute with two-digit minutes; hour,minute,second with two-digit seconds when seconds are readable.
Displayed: 6,43
